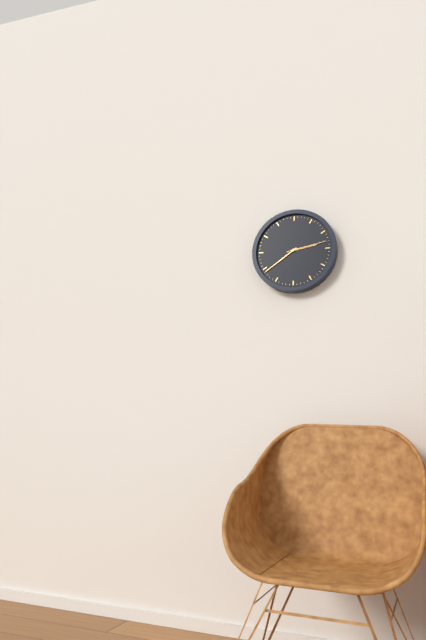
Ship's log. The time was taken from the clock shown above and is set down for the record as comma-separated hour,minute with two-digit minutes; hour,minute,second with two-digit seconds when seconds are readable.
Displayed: 2,39
